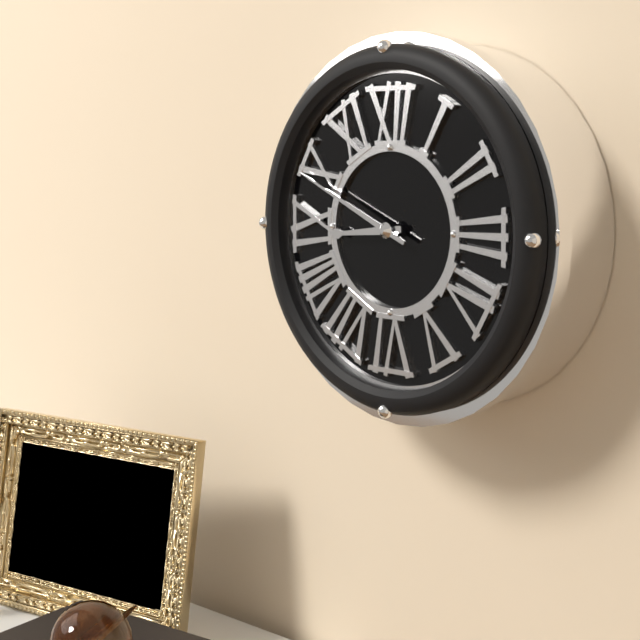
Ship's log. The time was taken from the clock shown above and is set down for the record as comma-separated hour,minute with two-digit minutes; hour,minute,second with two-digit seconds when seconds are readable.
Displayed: 8,49
